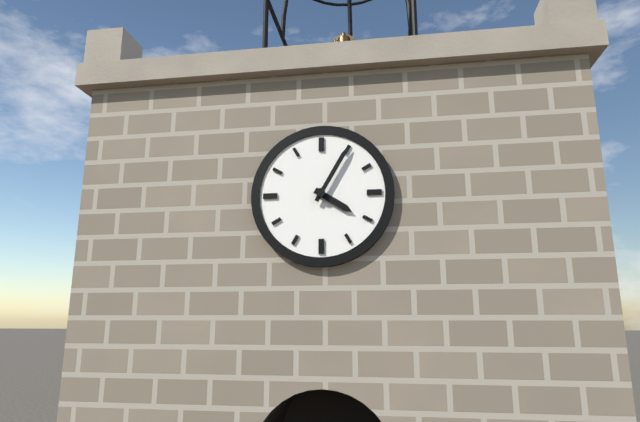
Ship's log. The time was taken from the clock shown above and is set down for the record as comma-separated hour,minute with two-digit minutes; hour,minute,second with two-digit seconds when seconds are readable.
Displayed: 4,05
